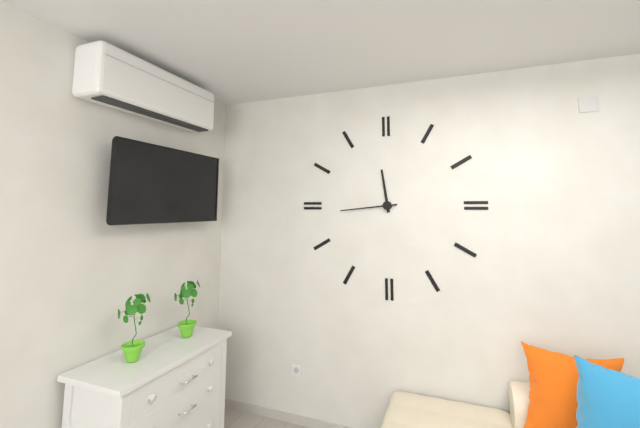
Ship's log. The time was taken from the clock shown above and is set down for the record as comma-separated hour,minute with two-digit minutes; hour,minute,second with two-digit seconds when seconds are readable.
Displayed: 11,44
